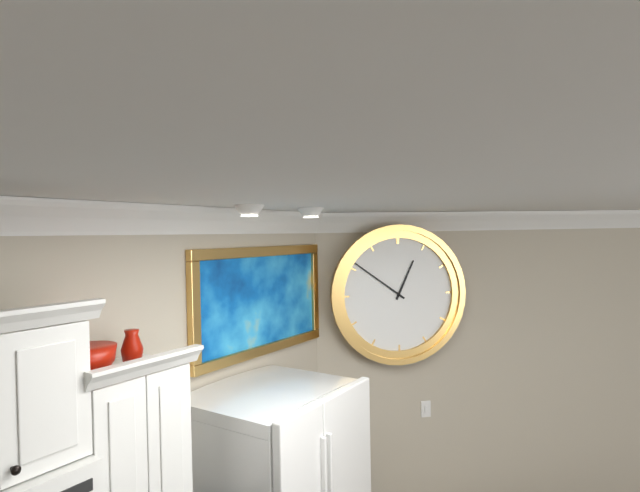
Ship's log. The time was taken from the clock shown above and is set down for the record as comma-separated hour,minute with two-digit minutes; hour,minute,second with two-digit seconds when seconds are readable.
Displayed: 12,51
